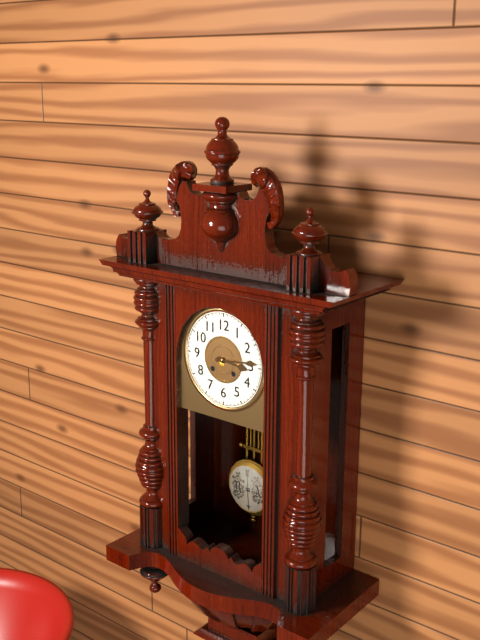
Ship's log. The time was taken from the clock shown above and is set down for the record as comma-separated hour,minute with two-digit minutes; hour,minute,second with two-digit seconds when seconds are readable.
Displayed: 3,14
